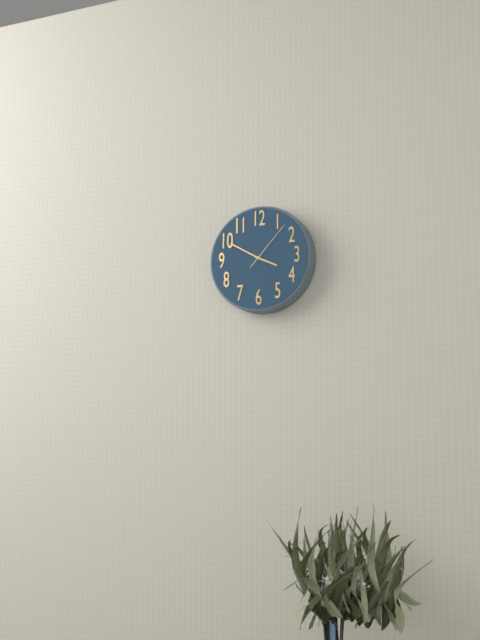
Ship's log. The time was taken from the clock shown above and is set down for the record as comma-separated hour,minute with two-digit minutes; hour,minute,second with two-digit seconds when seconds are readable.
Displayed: 3,50,07
